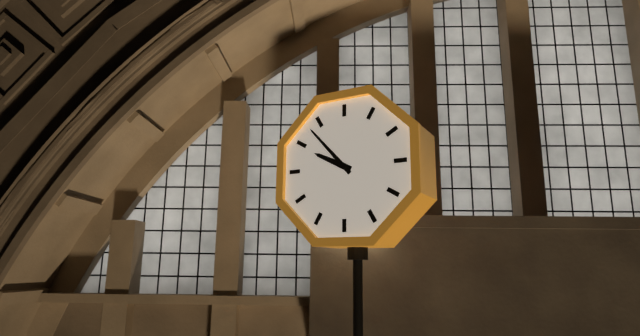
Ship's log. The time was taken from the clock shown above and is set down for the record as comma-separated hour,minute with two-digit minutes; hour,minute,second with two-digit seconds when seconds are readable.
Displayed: 9,53
